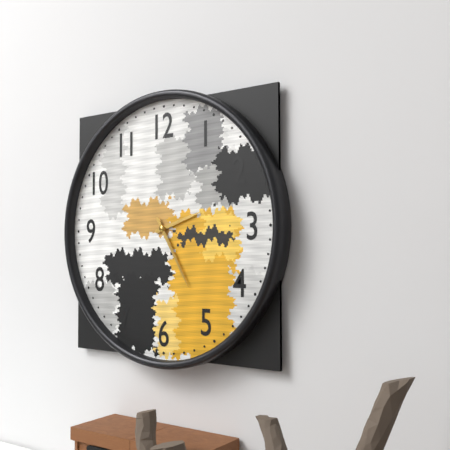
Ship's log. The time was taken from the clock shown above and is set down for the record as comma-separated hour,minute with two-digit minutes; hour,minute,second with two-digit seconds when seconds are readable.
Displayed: 2,25
